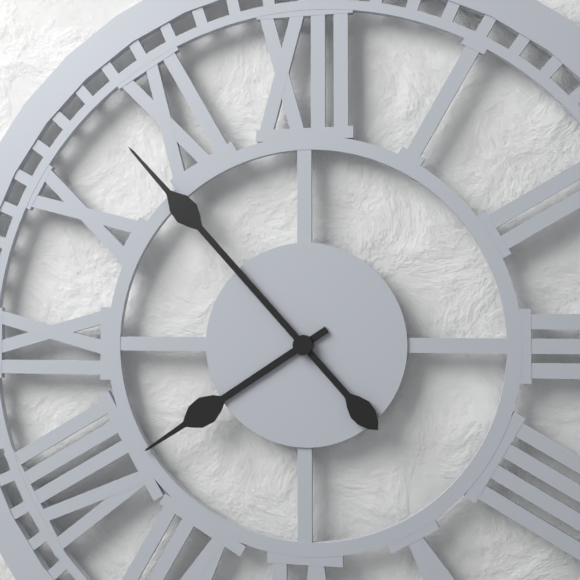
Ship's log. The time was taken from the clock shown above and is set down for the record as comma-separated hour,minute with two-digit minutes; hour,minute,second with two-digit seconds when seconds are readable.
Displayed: 7,53
